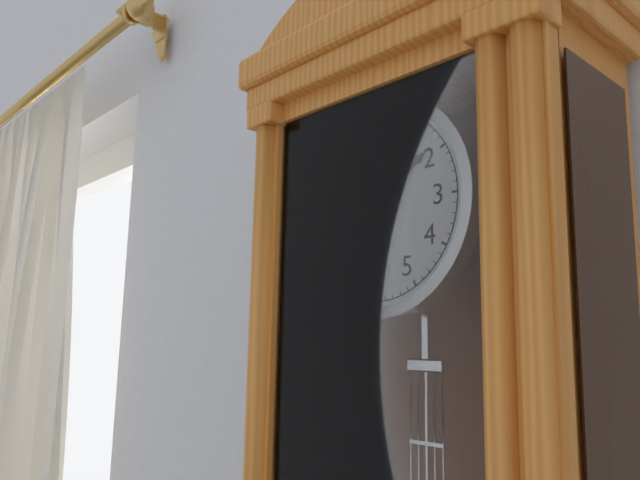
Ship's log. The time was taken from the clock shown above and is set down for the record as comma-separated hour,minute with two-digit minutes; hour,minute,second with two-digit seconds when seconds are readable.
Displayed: 8,09
